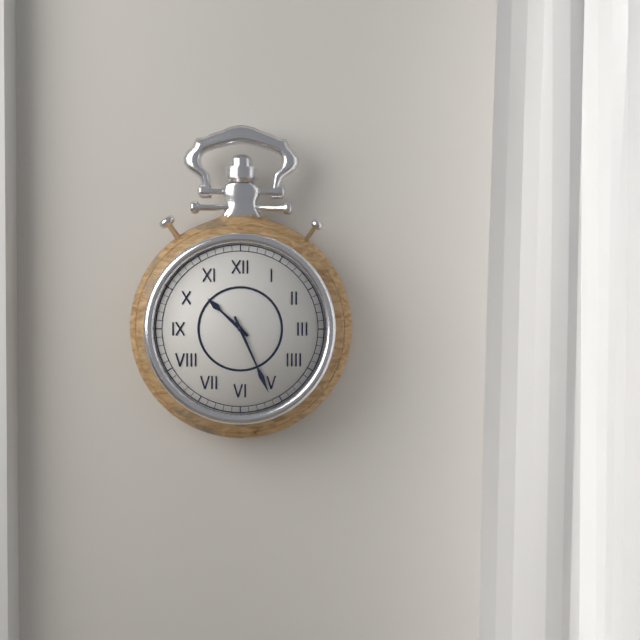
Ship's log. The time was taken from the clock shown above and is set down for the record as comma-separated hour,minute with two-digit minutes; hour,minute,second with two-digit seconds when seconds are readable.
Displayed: 10,26
